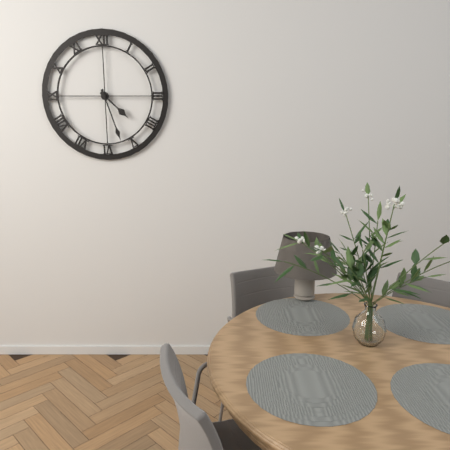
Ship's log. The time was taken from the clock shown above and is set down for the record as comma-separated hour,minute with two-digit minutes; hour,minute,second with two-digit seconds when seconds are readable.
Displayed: 4,27
